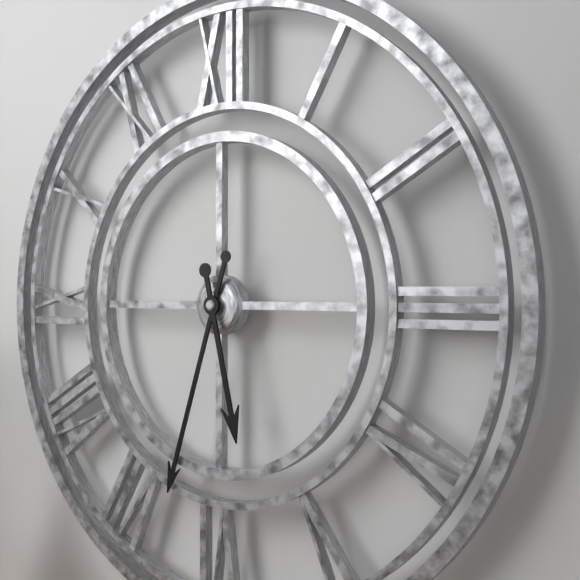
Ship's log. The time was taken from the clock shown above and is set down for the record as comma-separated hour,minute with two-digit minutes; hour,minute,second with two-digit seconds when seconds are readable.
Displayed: 5,33
